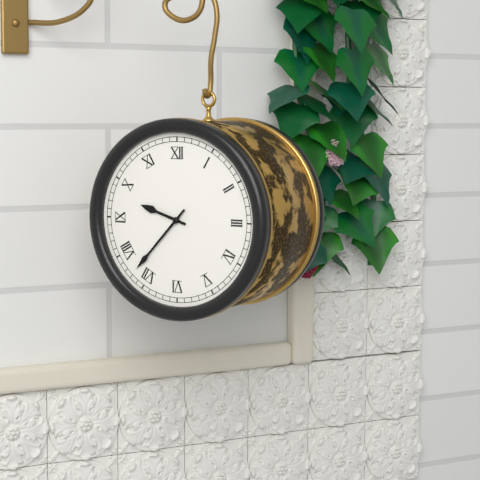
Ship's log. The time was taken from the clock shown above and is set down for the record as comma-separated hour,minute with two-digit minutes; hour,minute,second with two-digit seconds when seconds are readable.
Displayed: 9,37
